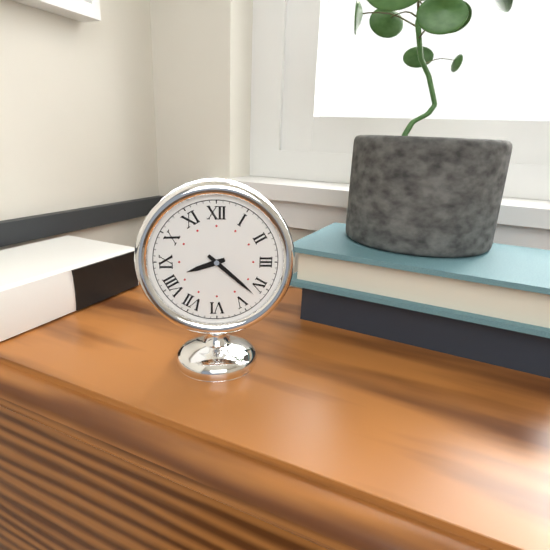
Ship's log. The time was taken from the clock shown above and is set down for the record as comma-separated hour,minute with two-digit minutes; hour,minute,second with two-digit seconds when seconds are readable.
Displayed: 8,22
